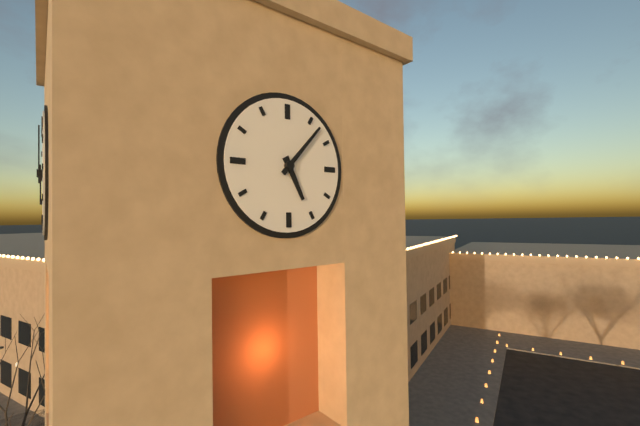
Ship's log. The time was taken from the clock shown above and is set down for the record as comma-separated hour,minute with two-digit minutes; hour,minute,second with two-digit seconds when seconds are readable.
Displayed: 5,07
